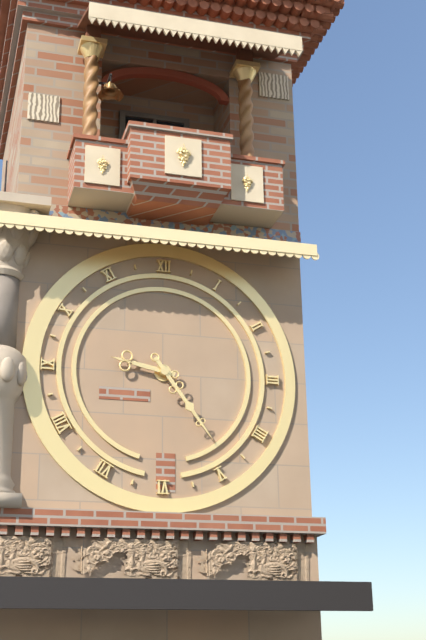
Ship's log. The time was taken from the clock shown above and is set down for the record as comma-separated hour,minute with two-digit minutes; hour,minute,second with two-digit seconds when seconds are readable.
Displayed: 9,24
